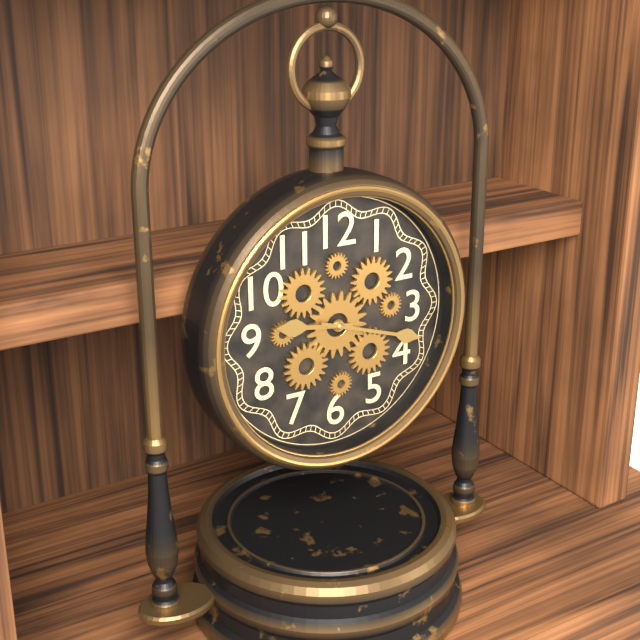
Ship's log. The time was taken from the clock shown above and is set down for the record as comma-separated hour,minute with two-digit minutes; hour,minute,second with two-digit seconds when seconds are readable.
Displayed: 9,18
